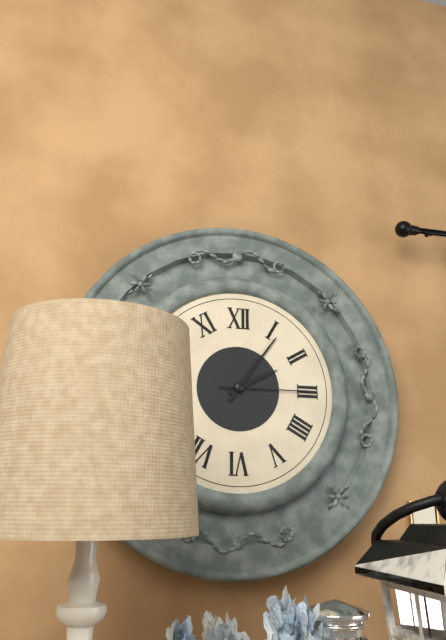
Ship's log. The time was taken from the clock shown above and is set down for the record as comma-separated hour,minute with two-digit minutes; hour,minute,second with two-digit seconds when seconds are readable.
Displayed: 2,06,15
